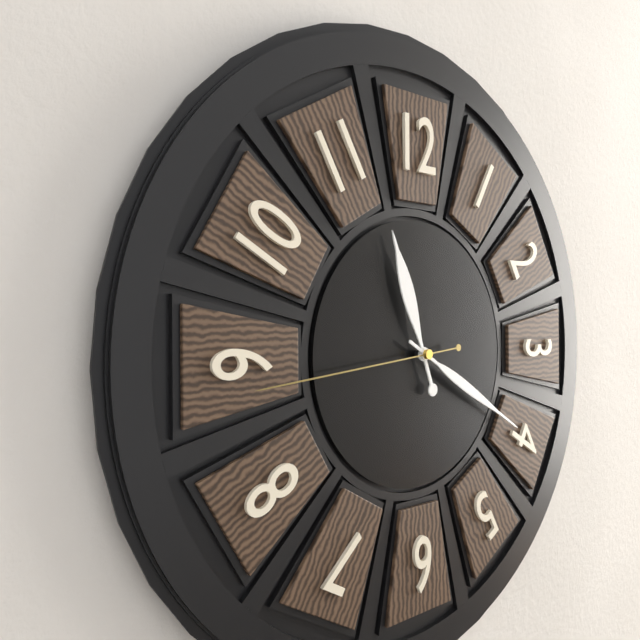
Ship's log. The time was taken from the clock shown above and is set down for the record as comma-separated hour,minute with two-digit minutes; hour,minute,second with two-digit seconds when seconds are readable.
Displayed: 11,20,44
